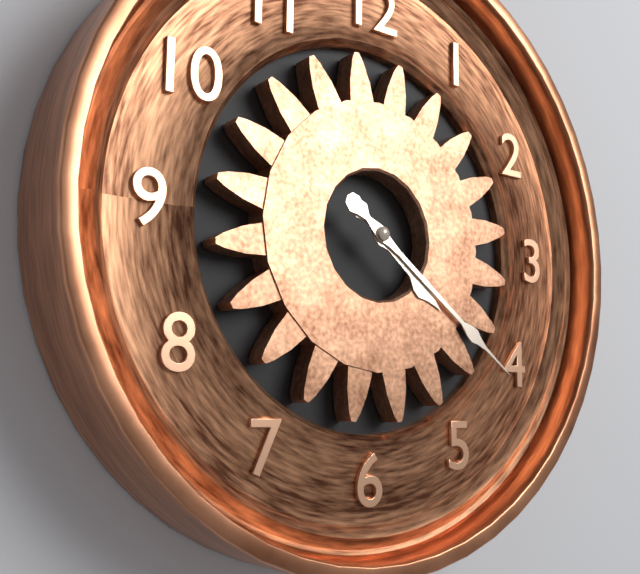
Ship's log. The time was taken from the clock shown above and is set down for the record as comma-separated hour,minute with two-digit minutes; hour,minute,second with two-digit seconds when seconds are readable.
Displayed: 4,21
